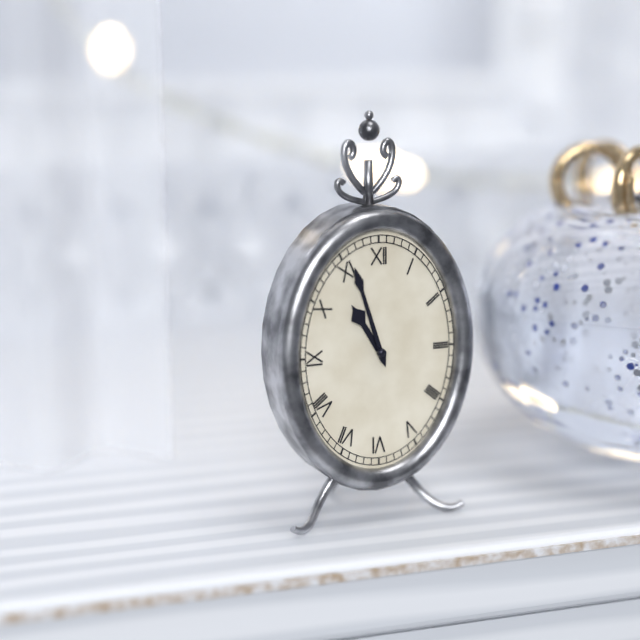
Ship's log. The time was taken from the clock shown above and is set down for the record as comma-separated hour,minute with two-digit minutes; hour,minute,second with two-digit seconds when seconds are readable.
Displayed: 10,57
